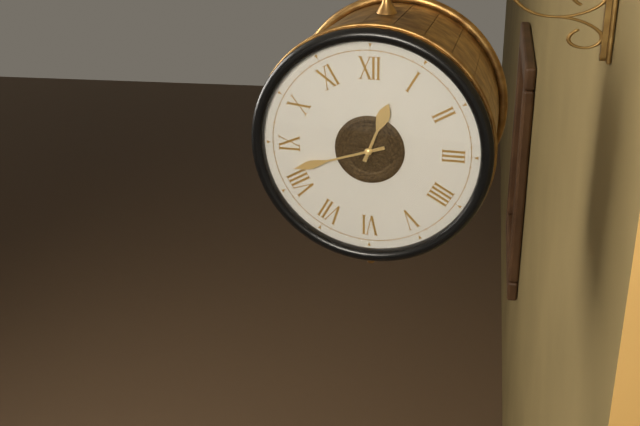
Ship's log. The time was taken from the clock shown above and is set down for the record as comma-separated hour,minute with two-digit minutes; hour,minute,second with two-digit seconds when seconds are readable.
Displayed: 12,42
